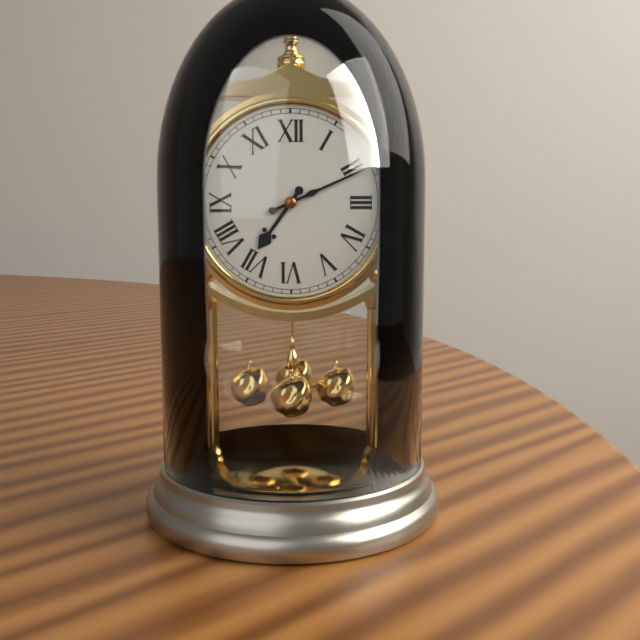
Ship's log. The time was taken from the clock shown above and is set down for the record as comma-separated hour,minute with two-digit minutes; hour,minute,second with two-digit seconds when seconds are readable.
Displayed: 7,11
